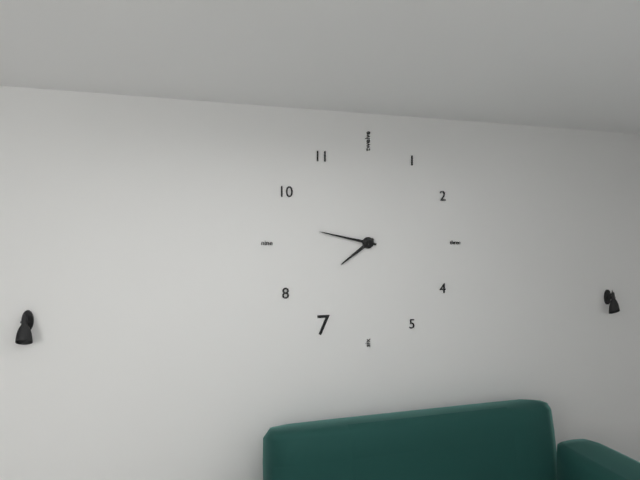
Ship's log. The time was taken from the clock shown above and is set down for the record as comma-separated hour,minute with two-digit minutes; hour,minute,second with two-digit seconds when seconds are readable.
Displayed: 7,47
